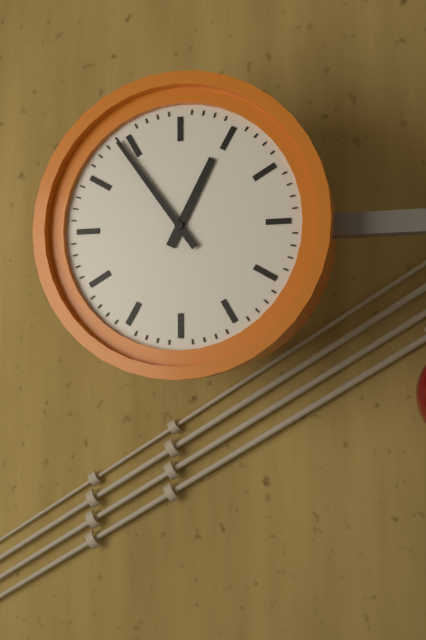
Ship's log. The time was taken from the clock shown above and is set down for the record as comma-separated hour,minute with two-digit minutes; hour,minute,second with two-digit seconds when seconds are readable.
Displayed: 12,54
